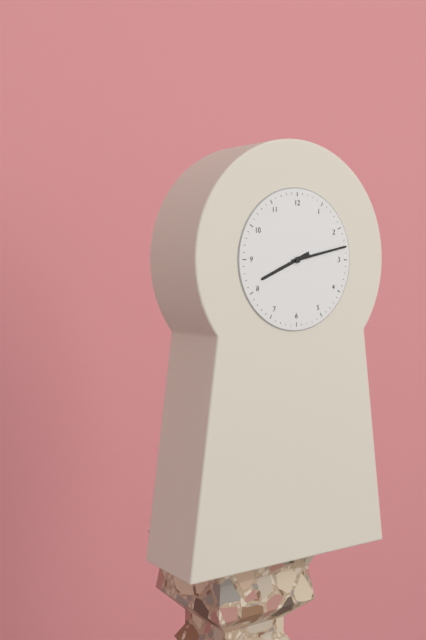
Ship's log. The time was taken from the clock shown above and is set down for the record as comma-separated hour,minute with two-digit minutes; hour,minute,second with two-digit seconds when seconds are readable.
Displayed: 8,13
